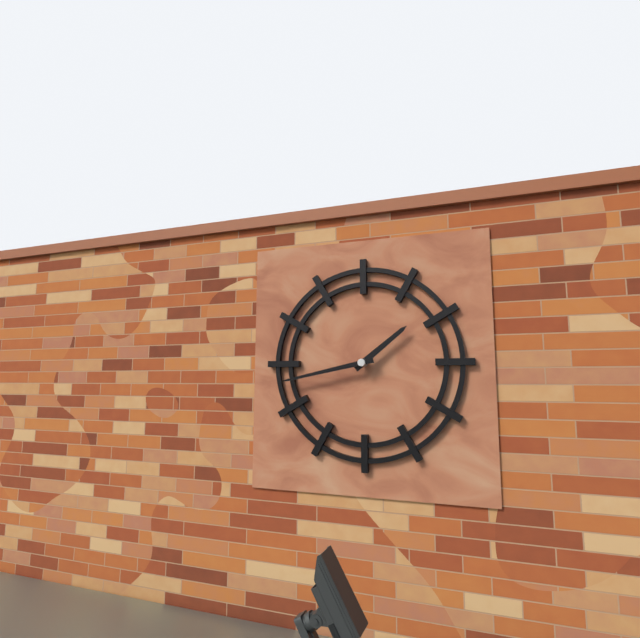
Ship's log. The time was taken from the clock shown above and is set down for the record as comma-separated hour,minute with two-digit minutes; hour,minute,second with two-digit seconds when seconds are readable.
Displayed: 1,43
